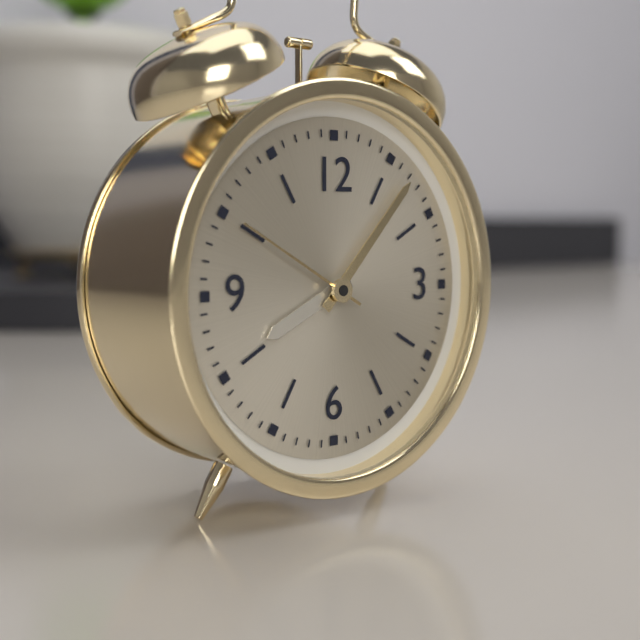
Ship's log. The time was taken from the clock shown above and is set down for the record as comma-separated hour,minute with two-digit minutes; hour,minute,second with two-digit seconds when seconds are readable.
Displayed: 8,07,50
